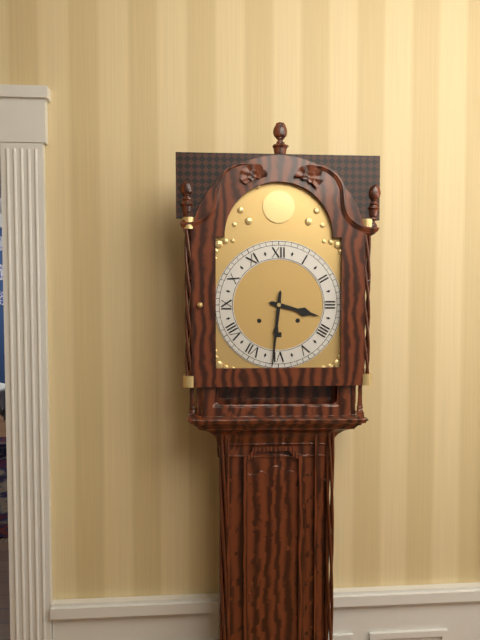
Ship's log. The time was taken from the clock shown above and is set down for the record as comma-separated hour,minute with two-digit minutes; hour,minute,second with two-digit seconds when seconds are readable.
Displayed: 3,31
